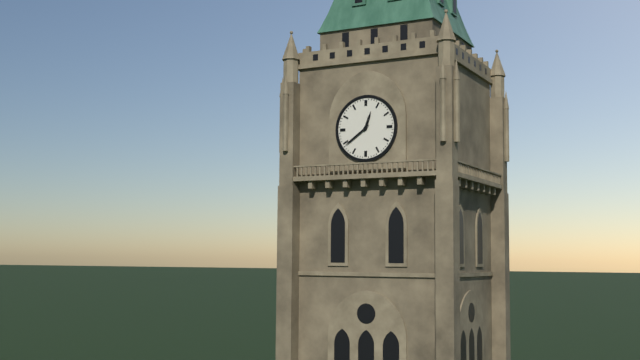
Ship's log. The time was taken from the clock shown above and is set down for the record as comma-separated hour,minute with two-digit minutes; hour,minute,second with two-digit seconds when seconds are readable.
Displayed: 12,39
